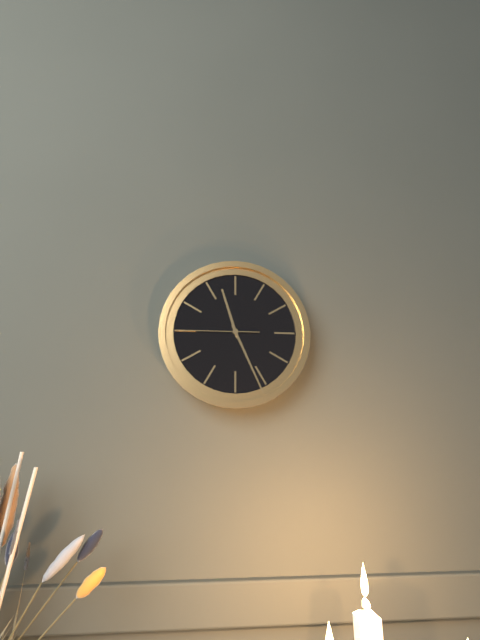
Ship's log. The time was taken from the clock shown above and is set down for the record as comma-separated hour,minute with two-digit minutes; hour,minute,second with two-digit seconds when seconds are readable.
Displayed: 11,26,45
